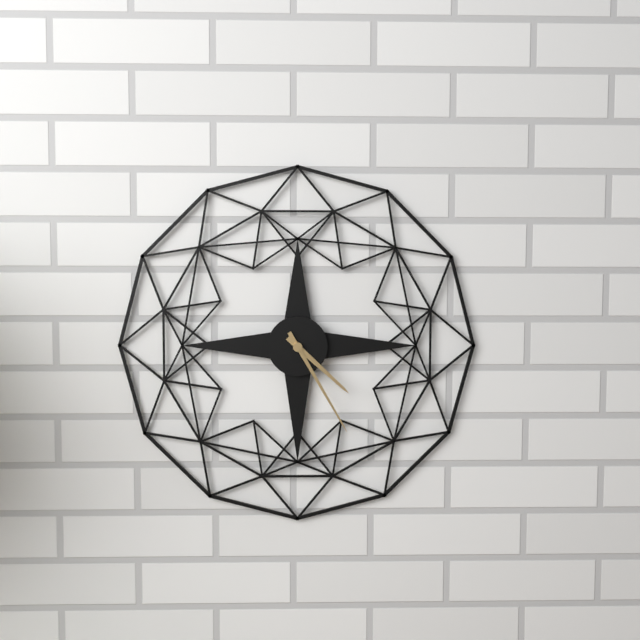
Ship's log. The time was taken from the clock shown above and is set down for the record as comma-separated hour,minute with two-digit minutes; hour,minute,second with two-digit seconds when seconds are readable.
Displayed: 4,25
